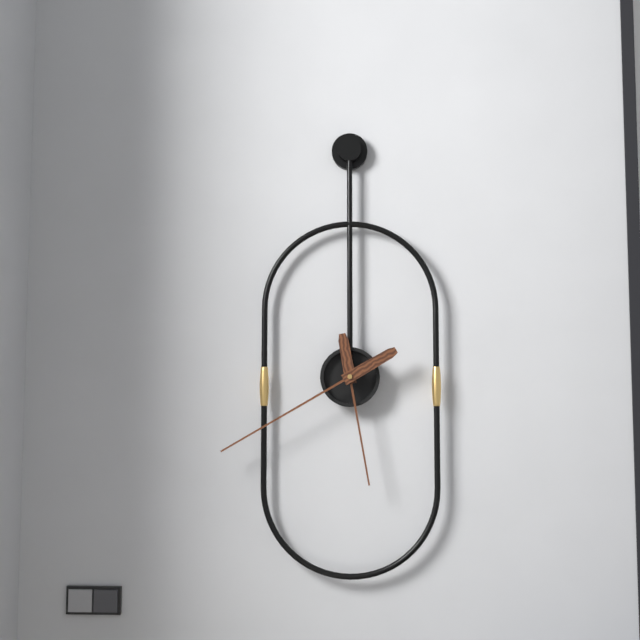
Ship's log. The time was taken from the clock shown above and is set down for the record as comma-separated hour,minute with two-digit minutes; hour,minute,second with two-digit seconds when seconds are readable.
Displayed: 5,40
